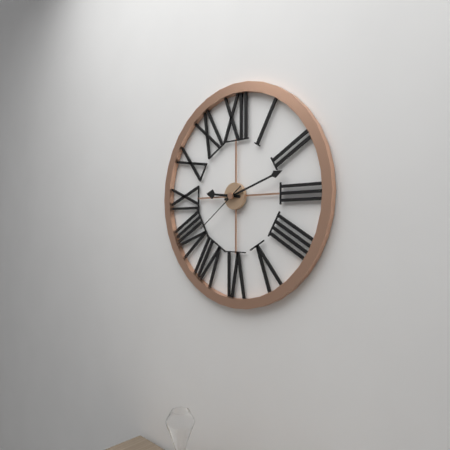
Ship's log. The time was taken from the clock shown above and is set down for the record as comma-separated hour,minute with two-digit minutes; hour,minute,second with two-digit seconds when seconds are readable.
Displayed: 9,12,39
